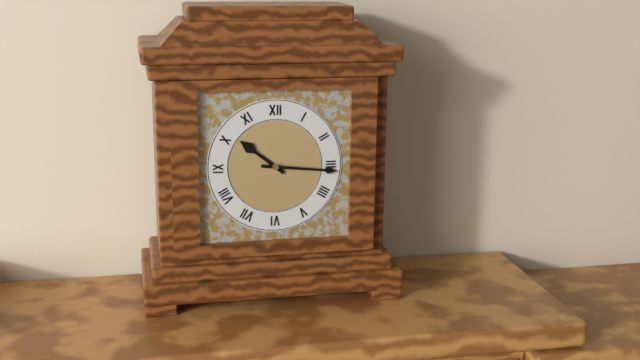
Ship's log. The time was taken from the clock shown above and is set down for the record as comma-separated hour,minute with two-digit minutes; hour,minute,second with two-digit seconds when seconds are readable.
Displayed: 10,16
